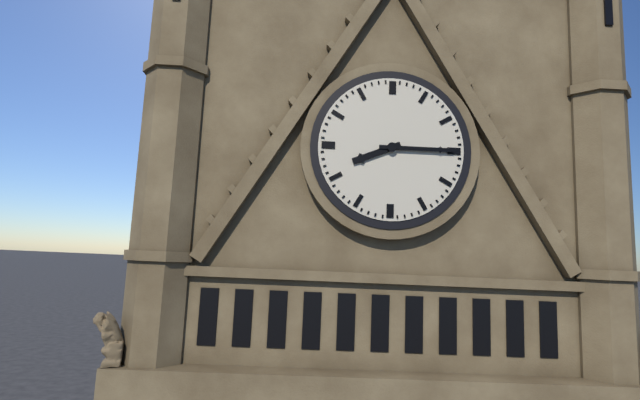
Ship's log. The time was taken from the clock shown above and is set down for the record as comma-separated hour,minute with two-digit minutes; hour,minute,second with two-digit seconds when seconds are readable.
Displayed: 8,15
